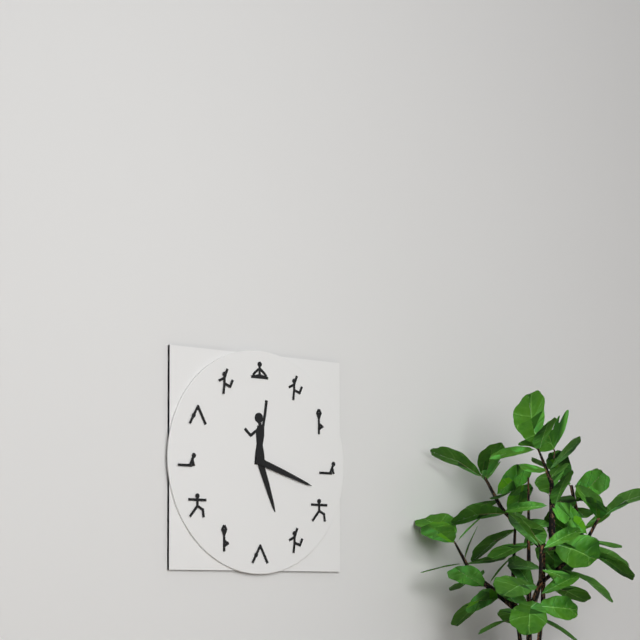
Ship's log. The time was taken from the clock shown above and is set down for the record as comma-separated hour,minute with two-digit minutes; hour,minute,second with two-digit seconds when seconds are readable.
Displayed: 5,18
